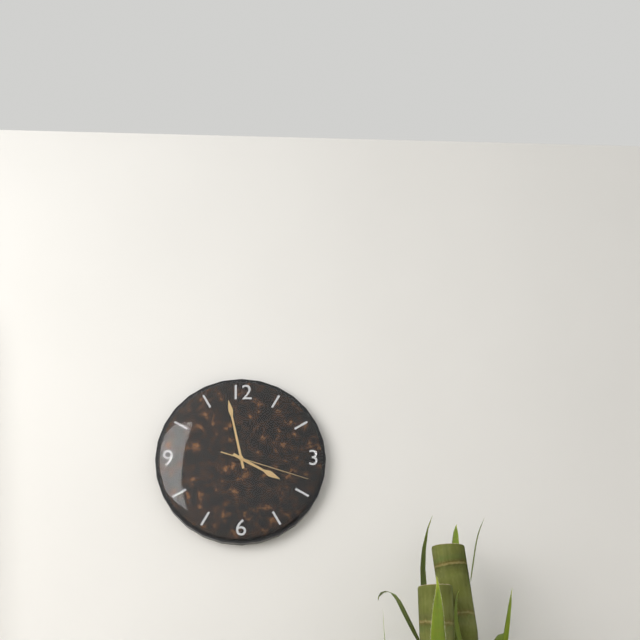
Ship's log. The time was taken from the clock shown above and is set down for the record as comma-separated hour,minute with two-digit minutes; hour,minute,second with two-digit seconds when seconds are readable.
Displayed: 3,58,18
